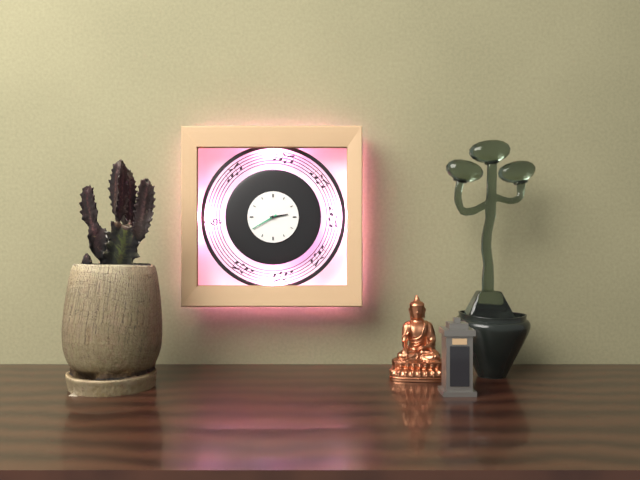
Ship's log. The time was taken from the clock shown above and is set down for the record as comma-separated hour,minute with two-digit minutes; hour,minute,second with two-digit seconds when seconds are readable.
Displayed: 2,40
